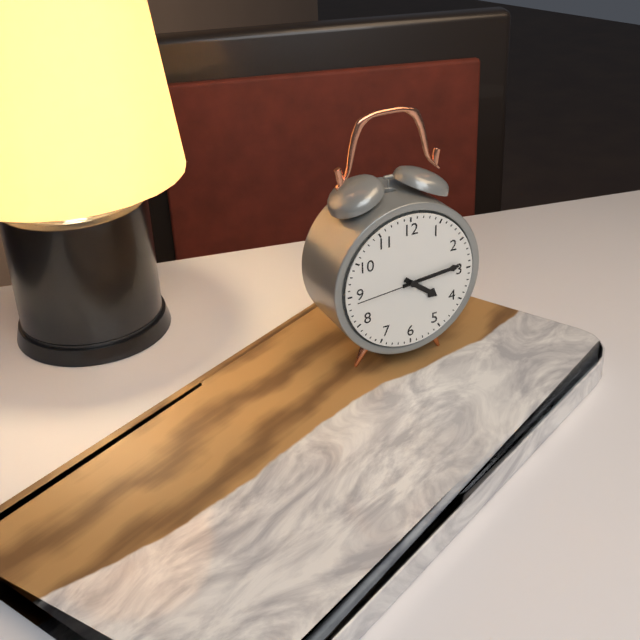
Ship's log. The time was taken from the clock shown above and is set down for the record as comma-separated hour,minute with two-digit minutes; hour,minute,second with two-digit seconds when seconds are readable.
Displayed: 4,14,44
